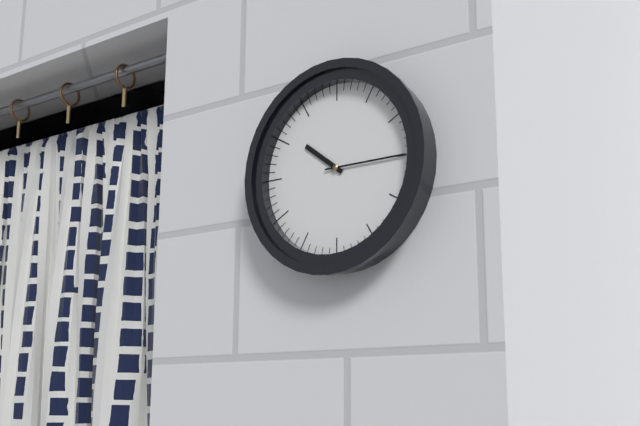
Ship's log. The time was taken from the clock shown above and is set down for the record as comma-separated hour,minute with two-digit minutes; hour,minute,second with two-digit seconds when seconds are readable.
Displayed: 10,15
